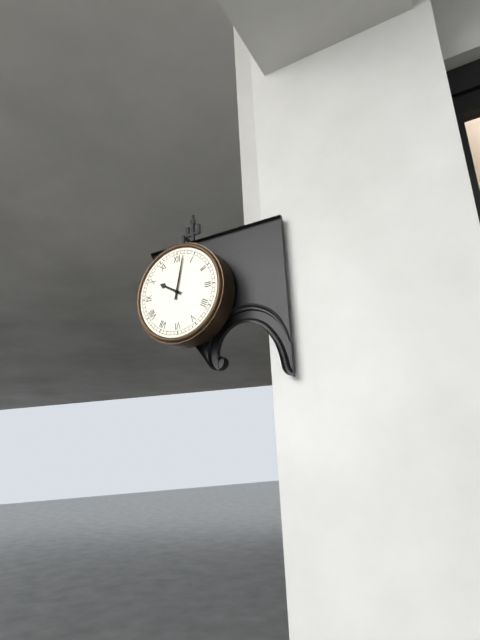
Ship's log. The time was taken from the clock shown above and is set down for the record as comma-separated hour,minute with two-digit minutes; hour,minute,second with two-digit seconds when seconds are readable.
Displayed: 10,02
